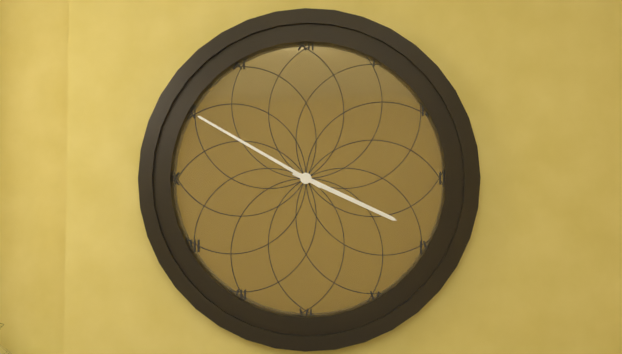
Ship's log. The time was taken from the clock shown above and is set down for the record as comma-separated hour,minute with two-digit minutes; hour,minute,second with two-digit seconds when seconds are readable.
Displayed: 3,50
